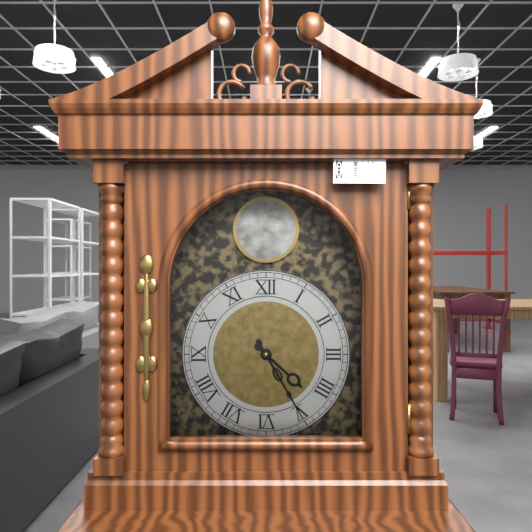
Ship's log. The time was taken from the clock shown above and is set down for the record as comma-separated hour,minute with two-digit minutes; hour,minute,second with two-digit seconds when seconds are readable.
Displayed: 4,25
